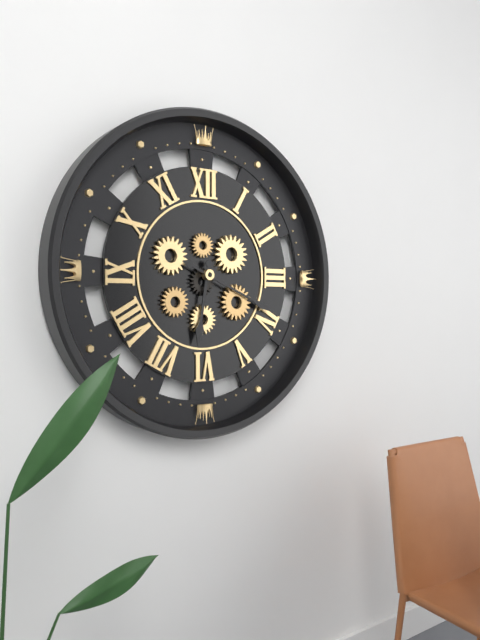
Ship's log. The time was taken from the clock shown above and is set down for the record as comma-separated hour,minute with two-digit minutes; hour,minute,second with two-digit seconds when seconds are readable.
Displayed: 6,19
